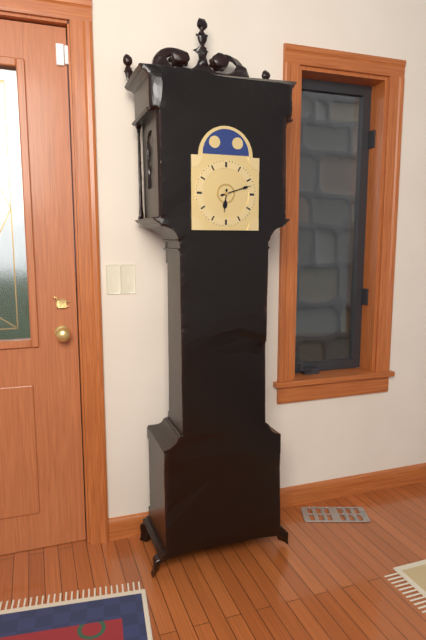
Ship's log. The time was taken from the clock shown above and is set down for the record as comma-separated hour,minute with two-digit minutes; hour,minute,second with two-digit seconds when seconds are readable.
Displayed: 6,12
